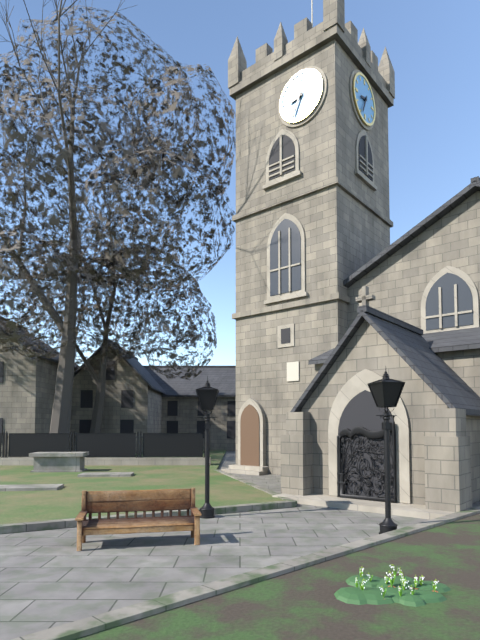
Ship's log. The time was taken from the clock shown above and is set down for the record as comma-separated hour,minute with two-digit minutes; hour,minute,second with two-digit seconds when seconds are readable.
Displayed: 8,34
